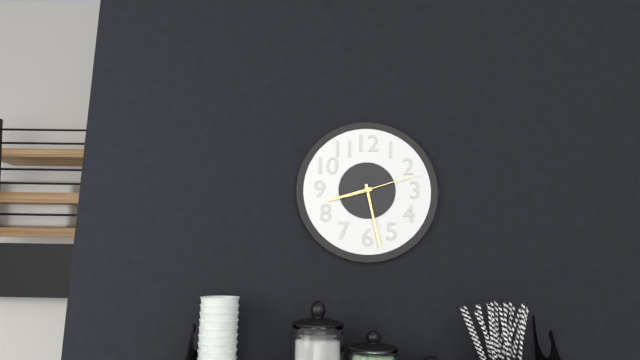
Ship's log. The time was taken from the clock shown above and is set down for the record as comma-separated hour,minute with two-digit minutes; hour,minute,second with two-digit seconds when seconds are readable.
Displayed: 8,28,12
